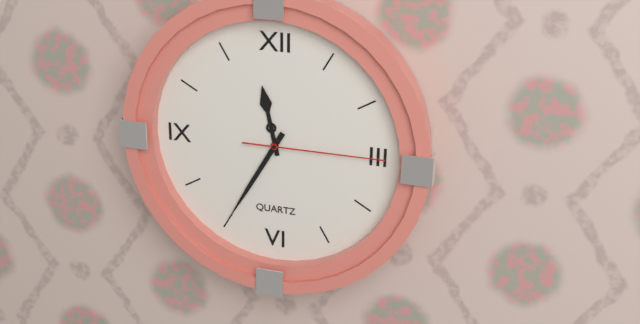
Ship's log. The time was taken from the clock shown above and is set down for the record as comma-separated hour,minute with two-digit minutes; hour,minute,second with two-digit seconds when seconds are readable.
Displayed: 11,35,15
